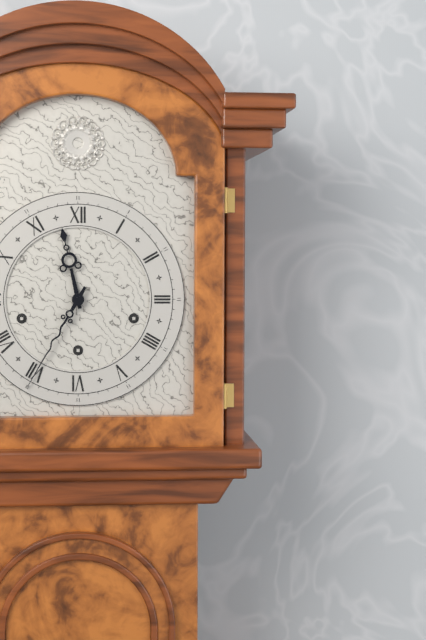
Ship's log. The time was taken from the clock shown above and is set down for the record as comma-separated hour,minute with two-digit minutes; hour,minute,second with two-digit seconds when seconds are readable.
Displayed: 11,35
